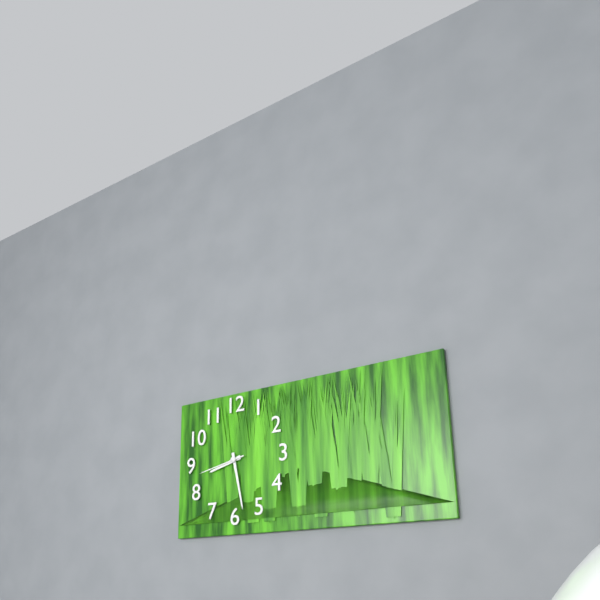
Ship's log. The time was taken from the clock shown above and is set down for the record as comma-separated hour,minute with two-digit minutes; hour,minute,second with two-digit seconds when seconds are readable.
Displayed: 8,28
